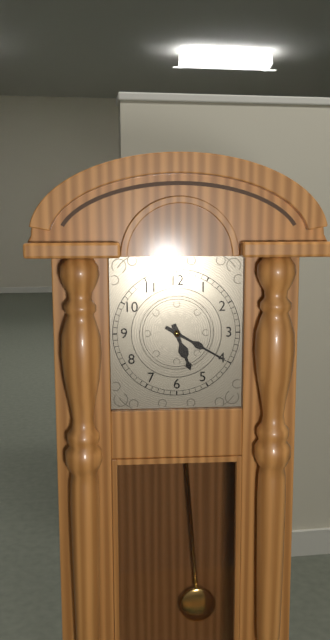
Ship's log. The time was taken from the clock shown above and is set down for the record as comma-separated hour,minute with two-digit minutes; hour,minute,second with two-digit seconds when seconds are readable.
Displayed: 5,20
